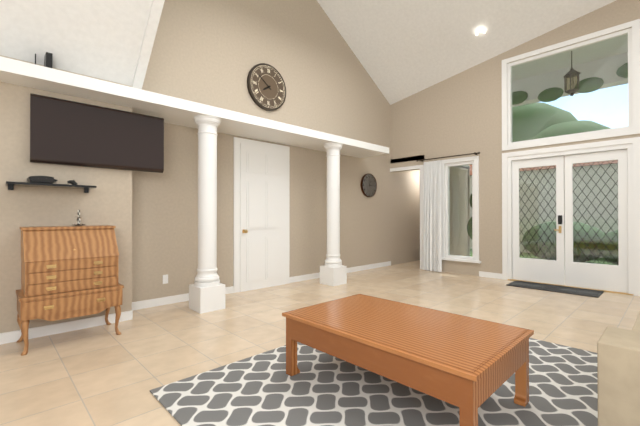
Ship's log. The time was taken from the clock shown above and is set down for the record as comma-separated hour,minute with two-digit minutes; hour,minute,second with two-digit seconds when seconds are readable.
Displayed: 7,51
